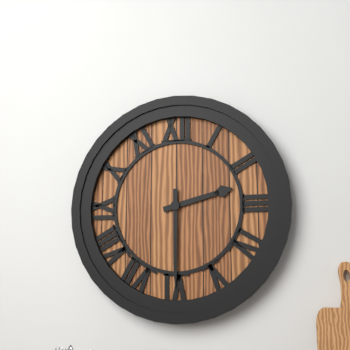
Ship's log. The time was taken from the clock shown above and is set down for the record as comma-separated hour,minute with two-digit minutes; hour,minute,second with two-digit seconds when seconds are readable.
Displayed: 2,30
